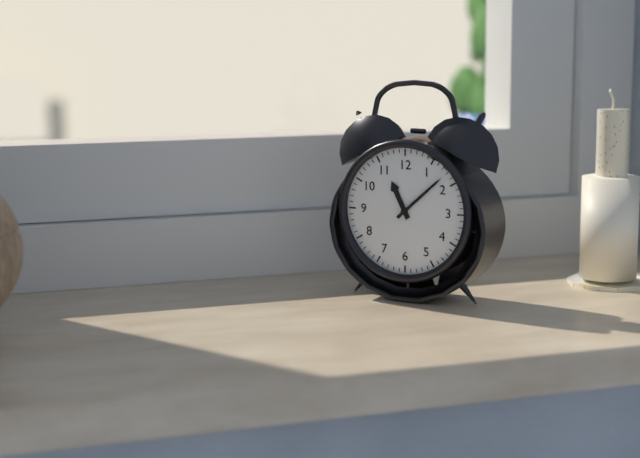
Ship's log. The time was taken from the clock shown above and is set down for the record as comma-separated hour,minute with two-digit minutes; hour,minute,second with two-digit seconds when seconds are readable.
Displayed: 11,08
